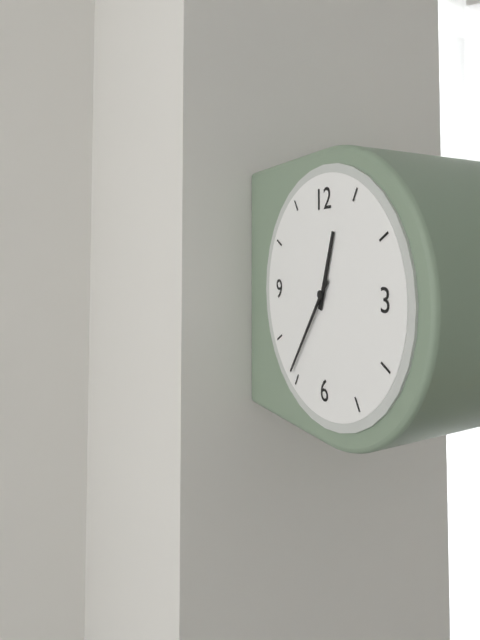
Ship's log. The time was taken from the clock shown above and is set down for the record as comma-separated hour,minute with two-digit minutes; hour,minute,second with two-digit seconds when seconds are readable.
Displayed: 12,36
